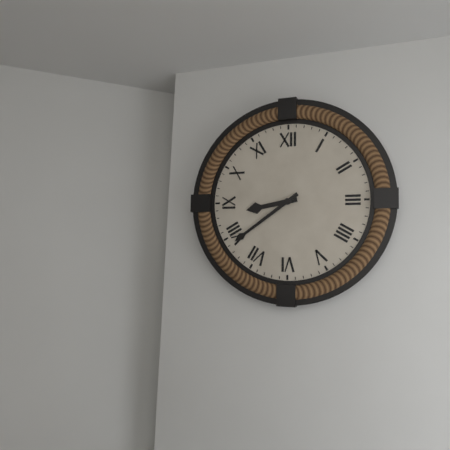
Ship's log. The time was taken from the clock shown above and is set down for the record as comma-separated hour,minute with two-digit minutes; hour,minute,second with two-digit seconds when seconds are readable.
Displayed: 8,39
